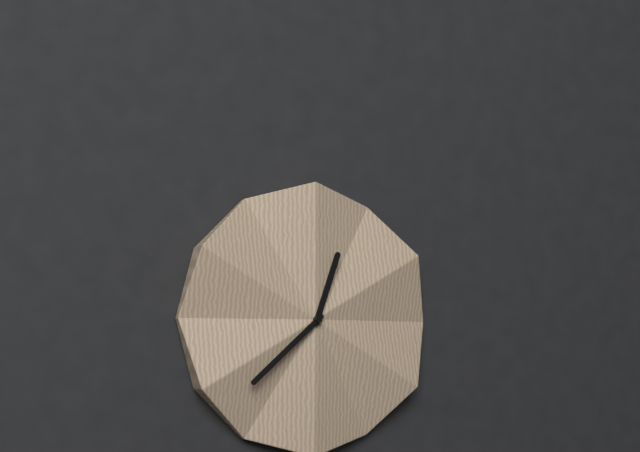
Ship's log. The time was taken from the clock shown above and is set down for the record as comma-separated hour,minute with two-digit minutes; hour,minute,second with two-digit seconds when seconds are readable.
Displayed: 12,38
